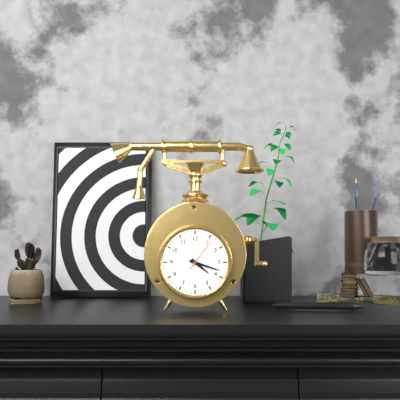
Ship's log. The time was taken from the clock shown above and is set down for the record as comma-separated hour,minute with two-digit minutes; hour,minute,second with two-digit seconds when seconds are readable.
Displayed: 4,18
